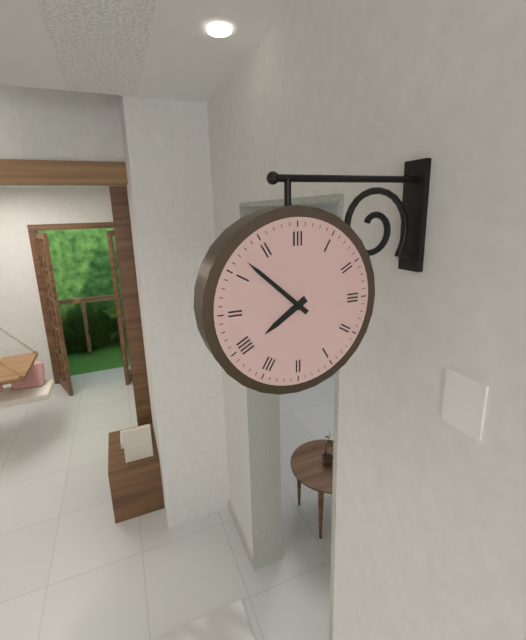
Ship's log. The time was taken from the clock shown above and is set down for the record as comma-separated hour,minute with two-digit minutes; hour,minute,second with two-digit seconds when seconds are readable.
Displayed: 7,52
